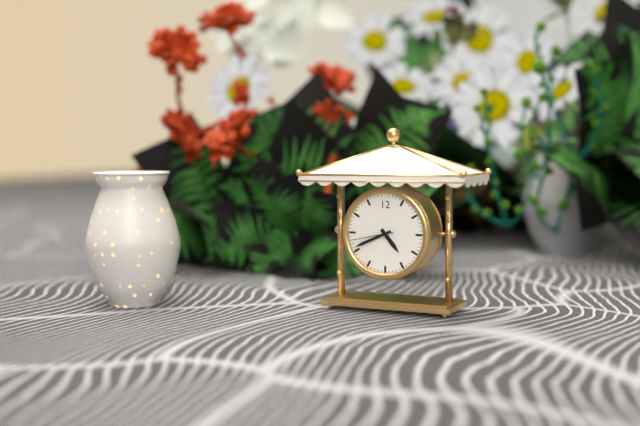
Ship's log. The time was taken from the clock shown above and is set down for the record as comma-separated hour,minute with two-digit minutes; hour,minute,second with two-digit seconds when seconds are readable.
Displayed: 4,41
